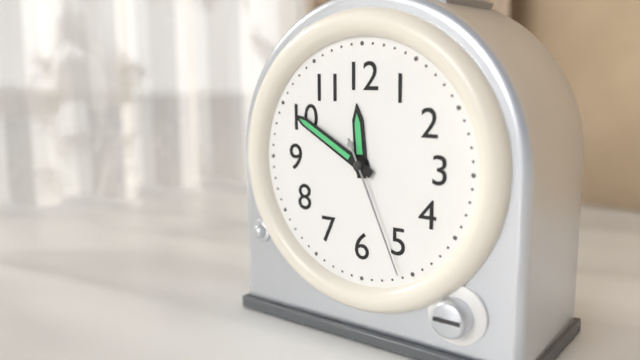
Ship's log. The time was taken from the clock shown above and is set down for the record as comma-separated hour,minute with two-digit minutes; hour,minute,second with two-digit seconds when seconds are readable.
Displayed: 11,50,26
